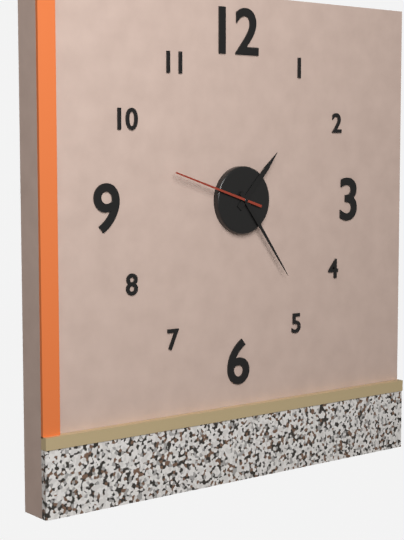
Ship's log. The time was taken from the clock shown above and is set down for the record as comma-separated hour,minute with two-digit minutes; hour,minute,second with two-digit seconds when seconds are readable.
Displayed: 1,24,48
